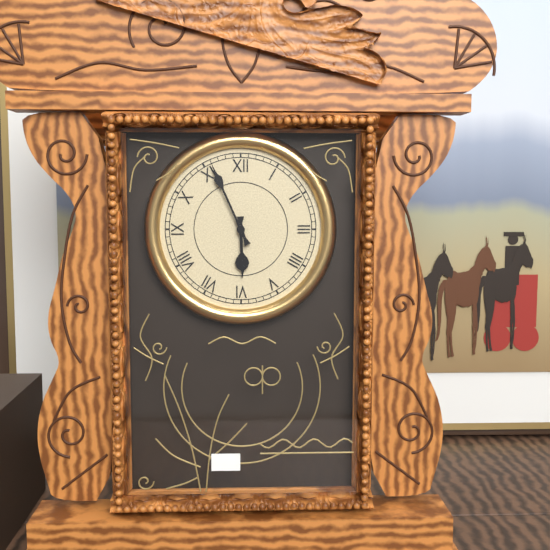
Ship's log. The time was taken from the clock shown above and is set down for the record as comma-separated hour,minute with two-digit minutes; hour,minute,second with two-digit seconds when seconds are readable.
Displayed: 5,56
